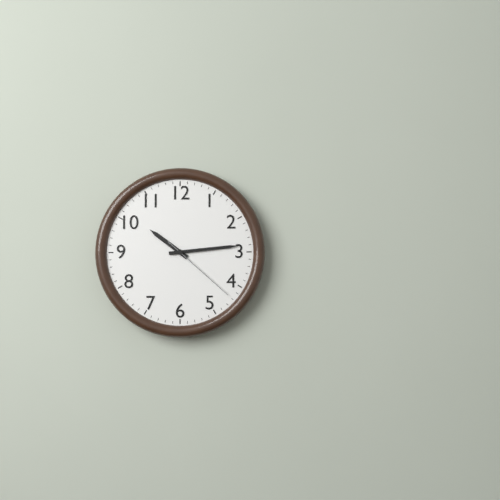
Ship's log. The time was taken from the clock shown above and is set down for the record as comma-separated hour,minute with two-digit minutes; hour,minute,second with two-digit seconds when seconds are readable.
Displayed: 10,14,22
